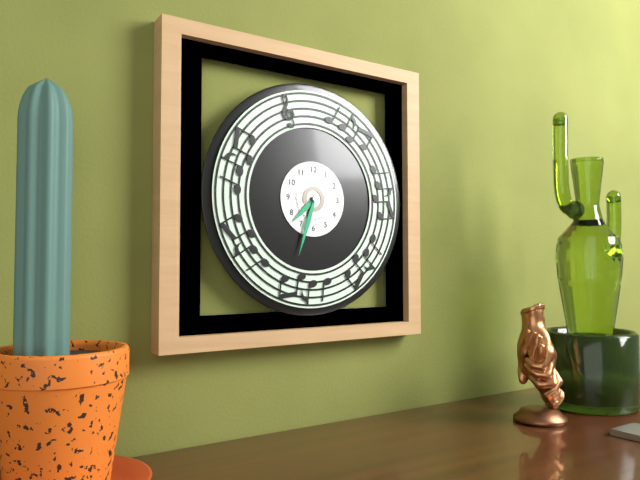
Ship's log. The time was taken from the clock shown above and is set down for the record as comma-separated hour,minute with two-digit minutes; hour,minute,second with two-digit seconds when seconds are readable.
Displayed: 7,33
